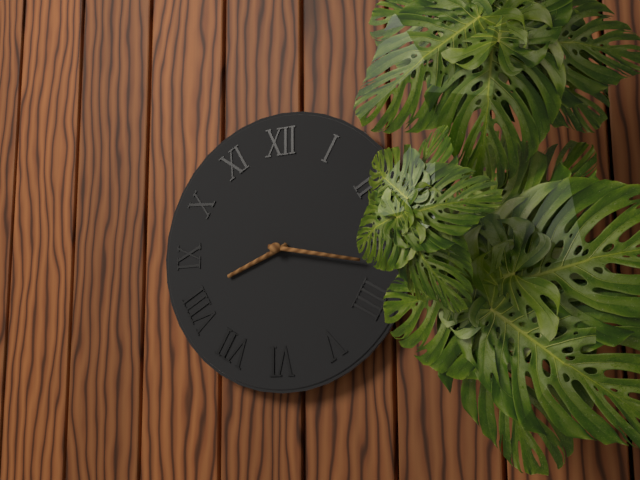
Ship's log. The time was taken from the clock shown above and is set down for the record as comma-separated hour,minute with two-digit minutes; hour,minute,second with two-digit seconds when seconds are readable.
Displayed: 8,17
